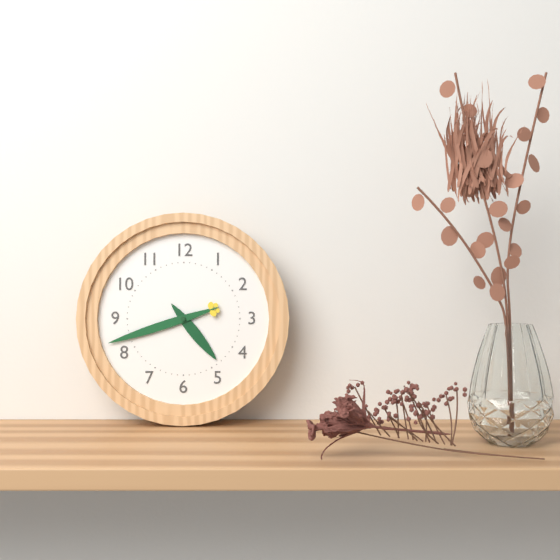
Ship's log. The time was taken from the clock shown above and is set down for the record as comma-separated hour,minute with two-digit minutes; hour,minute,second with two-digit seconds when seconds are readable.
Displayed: 4,42
